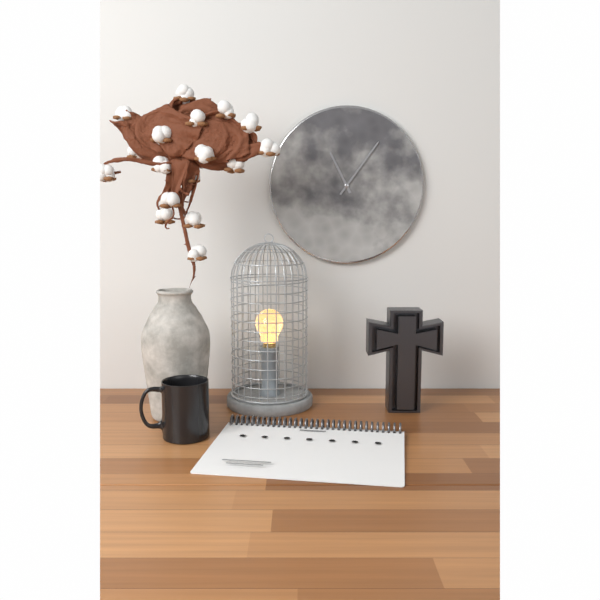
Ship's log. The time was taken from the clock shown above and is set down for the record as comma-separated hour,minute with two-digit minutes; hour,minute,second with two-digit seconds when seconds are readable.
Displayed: 11,06
